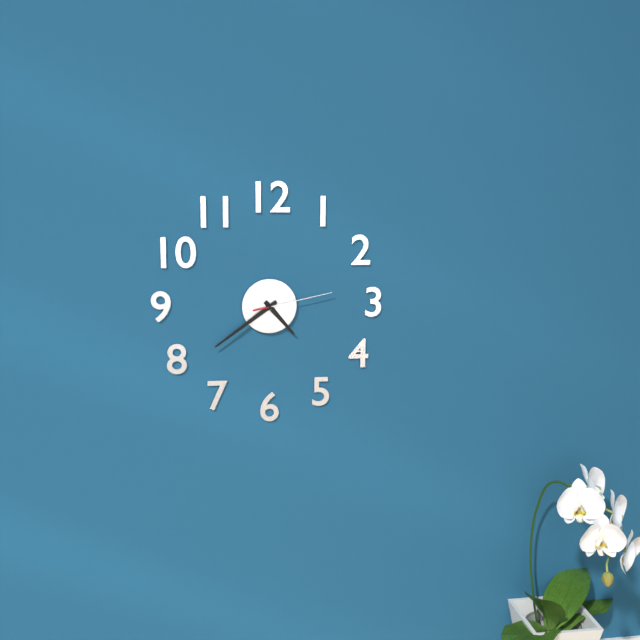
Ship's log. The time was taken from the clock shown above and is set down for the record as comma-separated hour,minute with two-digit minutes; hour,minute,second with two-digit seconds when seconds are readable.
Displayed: 4,39,13
